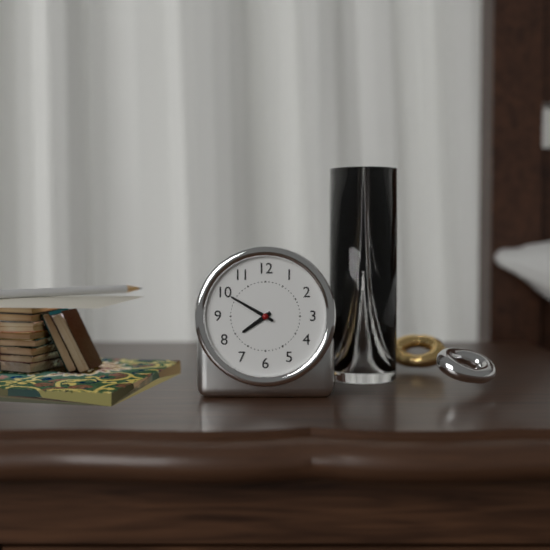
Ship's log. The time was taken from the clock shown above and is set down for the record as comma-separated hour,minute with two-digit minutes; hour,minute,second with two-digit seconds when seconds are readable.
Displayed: 7,50
